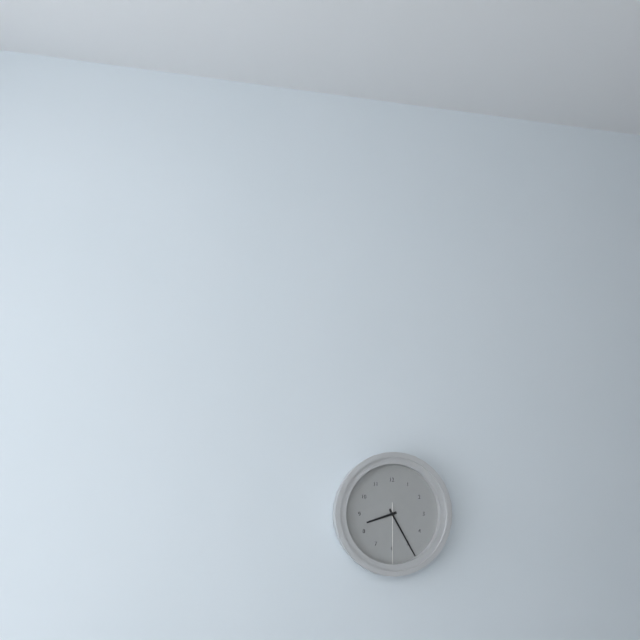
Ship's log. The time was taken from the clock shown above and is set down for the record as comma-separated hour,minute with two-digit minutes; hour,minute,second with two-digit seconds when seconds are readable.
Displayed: 8,25,30
